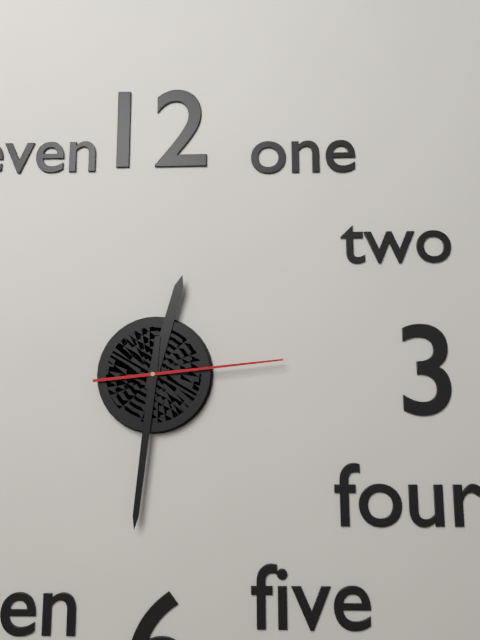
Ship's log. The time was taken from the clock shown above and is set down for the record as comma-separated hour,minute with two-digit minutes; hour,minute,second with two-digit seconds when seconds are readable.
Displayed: 12,31,14
